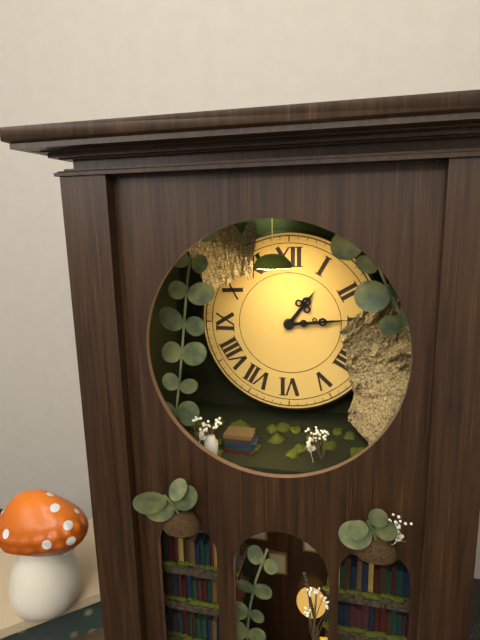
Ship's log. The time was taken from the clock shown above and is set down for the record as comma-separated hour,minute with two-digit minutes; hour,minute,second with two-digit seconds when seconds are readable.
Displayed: 1,14
